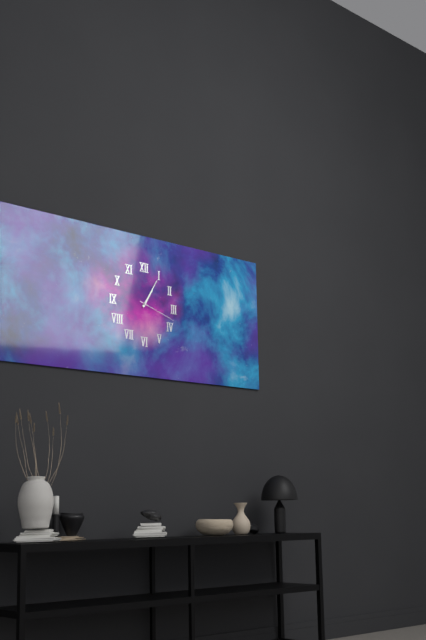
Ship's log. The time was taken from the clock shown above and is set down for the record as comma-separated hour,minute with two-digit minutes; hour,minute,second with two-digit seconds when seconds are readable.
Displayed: 1,05
